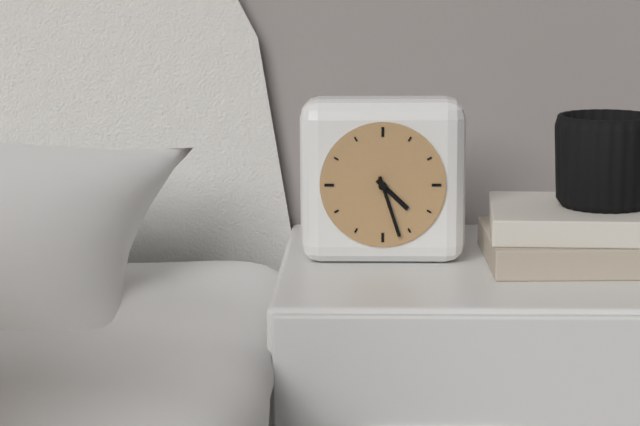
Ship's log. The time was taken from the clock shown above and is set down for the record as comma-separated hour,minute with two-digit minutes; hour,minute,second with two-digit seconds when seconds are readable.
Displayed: 4,27
